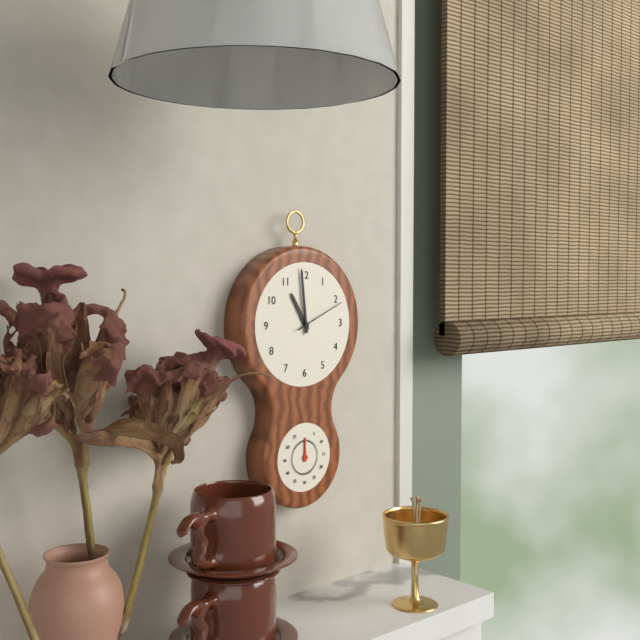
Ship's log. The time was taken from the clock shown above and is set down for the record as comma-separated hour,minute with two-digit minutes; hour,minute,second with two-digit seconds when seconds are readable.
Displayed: 10,59,11
